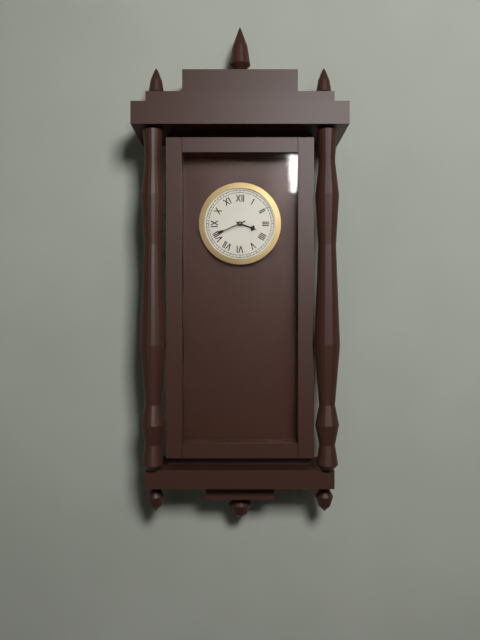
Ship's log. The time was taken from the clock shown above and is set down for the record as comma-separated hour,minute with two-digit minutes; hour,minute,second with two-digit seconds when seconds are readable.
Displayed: 3,41
